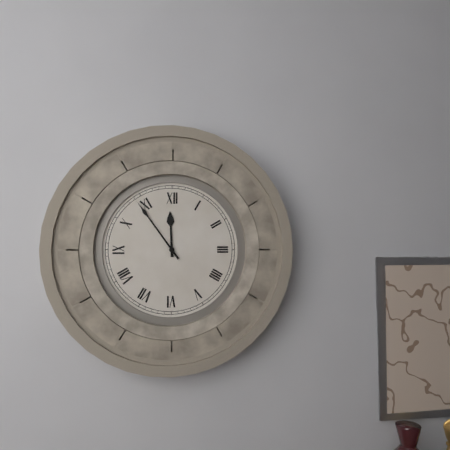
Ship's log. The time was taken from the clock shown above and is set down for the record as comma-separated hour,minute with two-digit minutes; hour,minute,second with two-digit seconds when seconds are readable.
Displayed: 11,54
